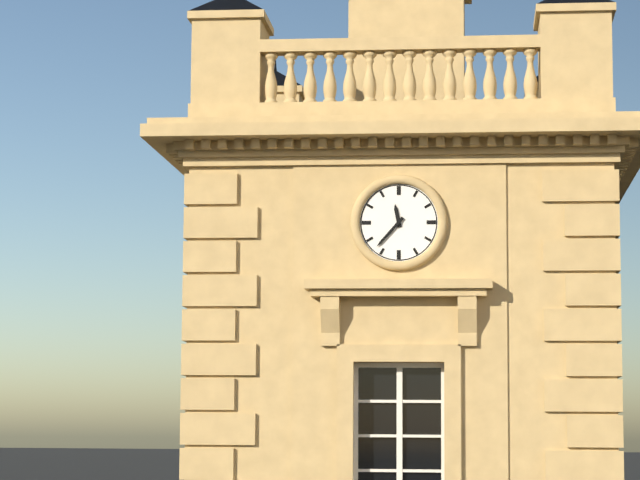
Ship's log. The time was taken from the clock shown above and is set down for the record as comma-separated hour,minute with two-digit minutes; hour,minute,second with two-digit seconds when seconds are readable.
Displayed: 11,37
